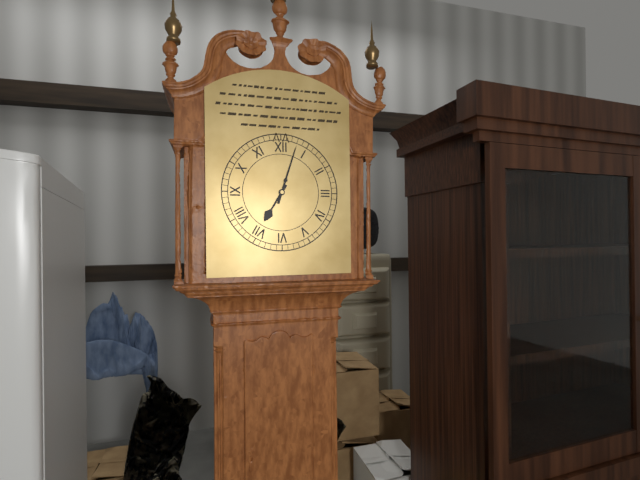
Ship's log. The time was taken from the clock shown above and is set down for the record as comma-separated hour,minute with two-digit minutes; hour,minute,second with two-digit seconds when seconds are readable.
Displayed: 7,03
